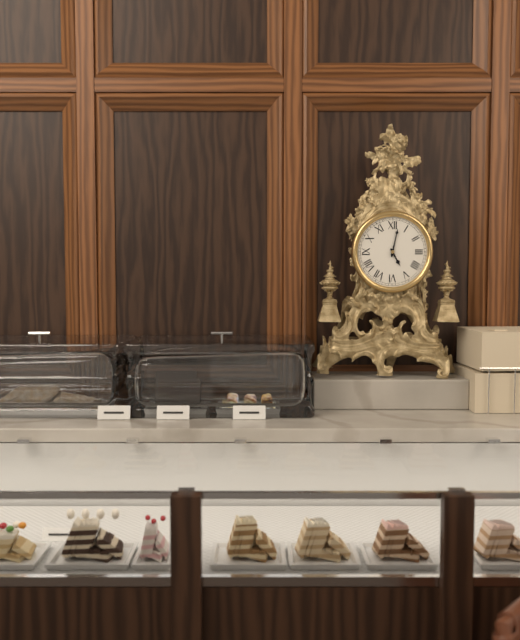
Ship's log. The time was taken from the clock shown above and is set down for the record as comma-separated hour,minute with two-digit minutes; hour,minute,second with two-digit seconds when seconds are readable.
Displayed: 5,02
